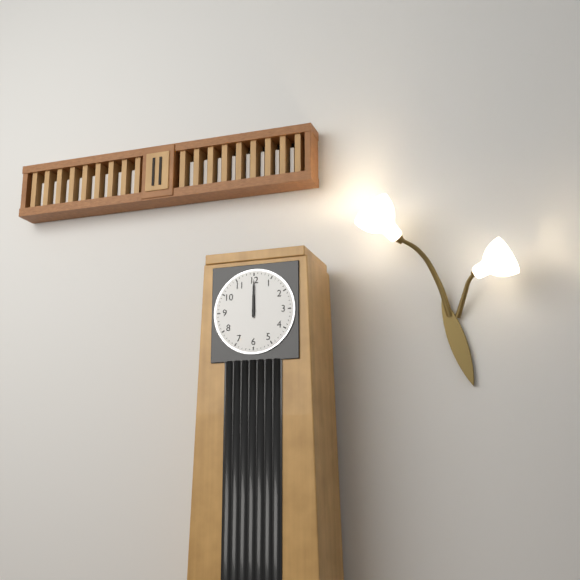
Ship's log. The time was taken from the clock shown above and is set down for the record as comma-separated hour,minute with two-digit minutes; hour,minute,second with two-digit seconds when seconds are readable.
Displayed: 12,00
